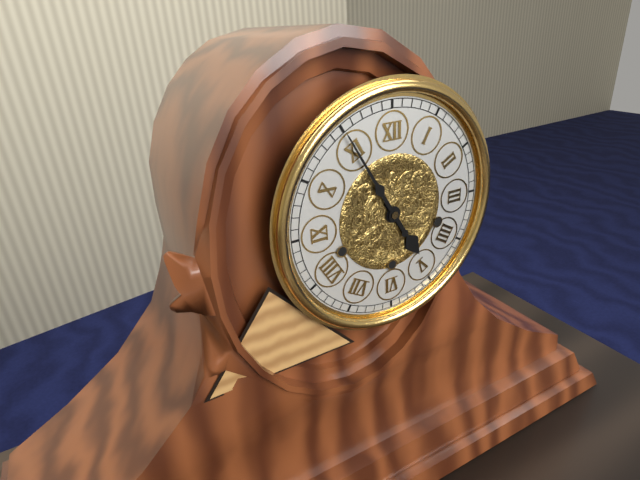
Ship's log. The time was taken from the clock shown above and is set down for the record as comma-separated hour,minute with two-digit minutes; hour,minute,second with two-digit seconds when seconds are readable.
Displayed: 4,55
